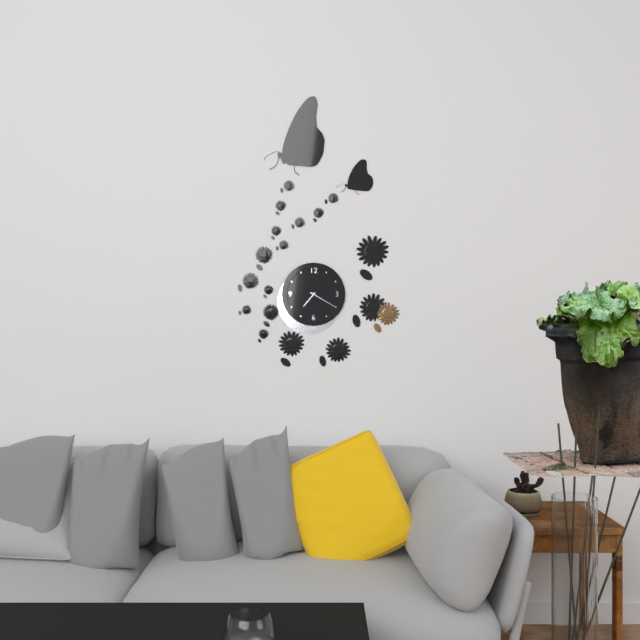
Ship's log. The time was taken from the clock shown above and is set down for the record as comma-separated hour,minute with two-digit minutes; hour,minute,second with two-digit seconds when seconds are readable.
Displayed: 7,20
